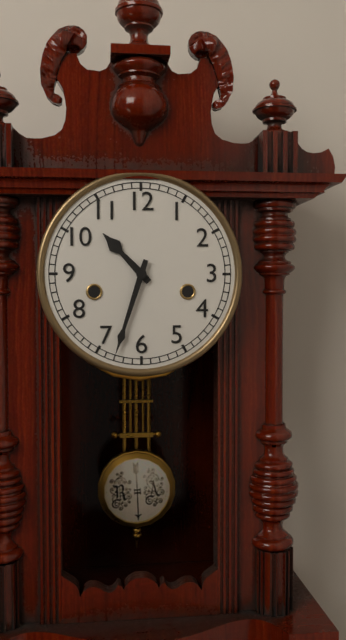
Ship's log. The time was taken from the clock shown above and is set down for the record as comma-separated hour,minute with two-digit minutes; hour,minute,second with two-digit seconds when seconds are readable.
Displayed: 10,33
